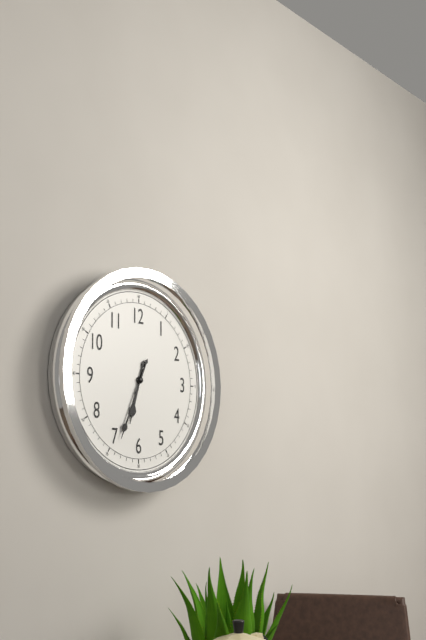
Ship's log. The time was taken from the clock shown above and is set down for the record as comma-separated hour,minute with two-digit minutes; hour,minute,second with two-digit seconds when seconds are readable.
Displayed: 6,34
